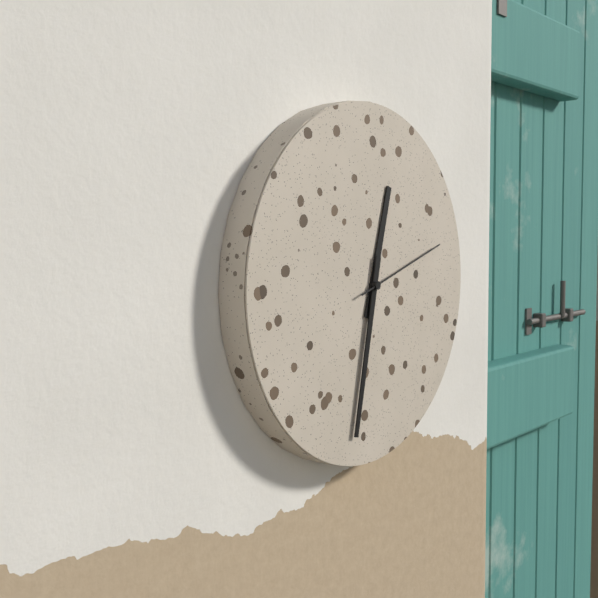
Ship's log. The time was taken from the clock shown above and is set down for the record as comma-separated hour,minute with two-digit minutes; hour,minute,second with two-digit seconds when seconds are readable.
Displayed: 12,32,12
